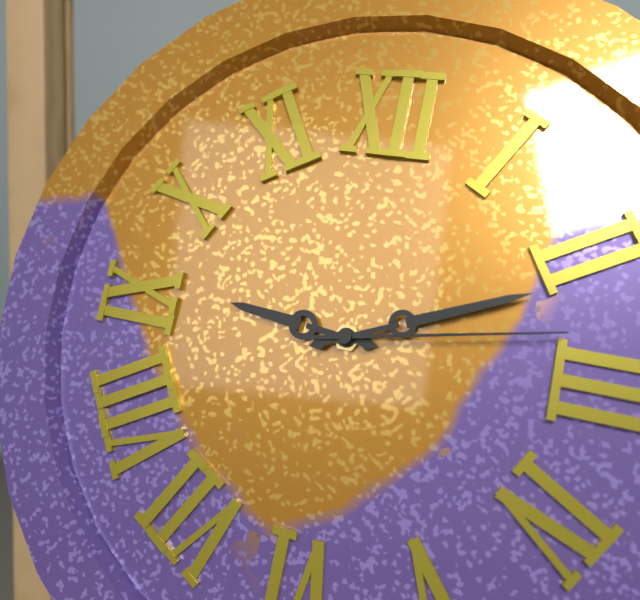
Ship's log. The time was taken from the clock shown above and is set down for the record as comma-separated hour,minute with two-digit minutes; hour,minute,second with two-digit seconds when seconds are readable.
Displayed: 9,11,13
